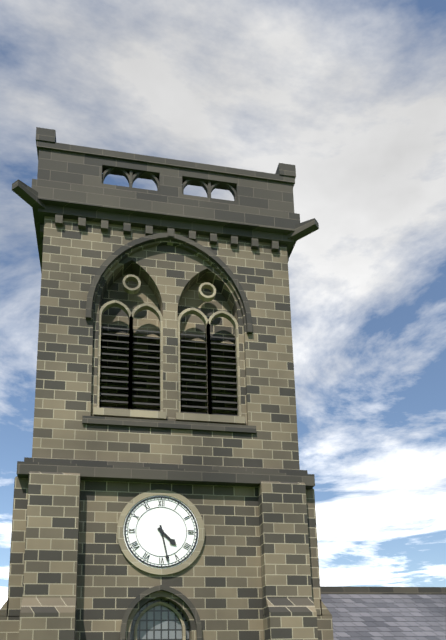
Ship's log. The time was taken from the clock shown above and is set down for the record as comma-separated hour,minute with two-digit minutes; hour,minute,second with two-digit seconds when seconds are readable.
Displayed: 4,28
